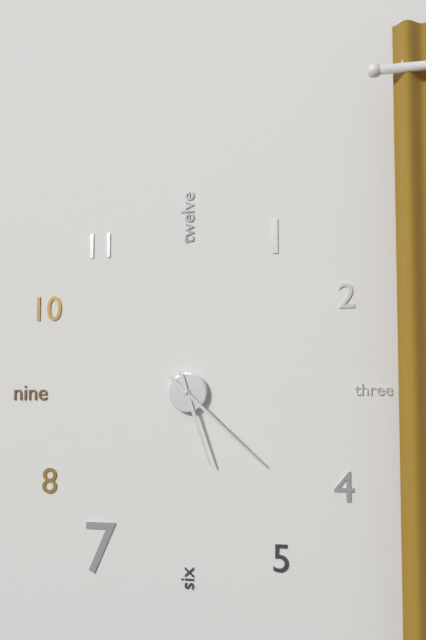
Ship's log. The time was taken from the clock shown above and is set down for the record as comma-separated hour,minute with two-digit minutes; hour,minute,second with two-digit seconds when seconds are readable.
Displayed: 5,22
